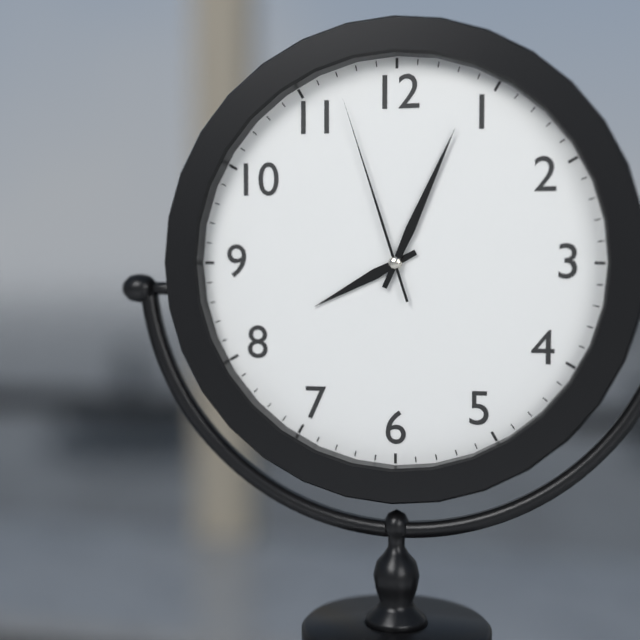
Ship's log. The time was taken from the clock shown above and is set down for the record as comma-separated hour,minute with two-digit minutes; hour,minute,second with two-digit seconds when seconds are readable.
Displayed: 8,04,57
